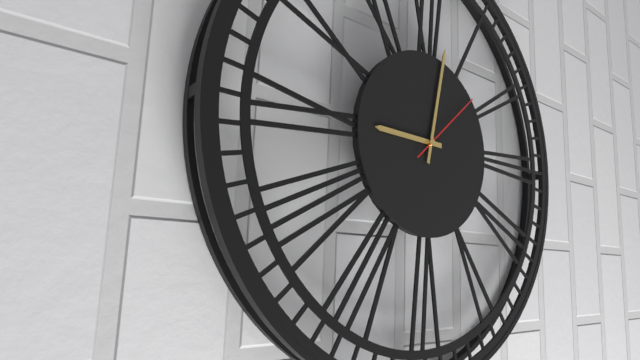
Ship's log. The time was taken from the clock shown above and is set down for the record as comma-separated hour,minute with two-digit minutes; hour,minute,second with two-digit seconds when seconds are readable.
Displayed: 9,02,08
